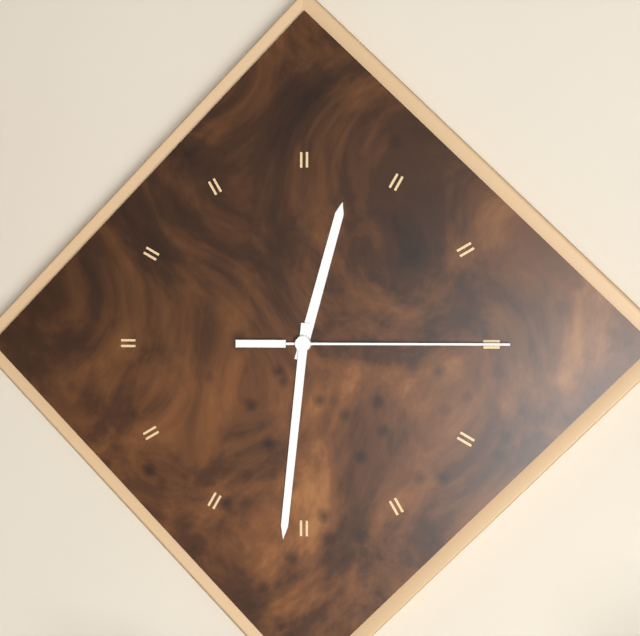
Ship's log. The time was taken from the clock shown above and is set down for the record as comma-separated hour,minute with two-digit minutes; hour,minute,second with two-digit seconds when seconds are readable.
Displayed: 12,31,15
